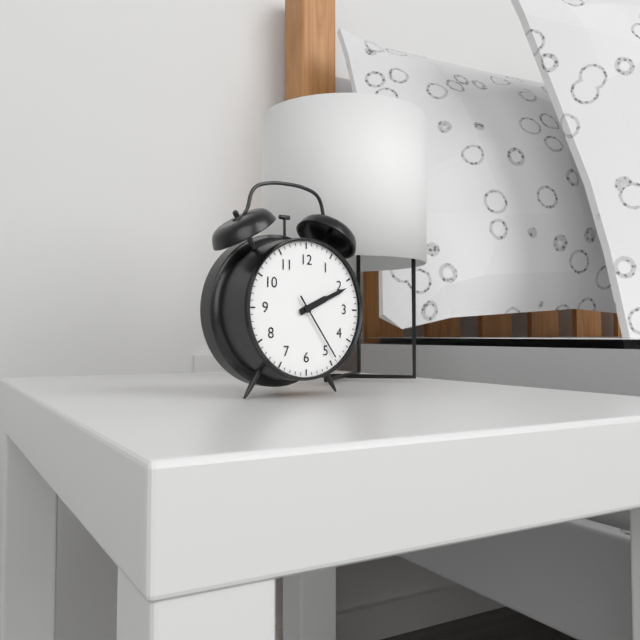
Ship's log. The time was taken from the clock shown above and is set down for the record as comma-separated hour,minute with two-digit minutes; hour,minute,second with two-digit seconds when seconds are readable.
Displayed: 2,11,24
